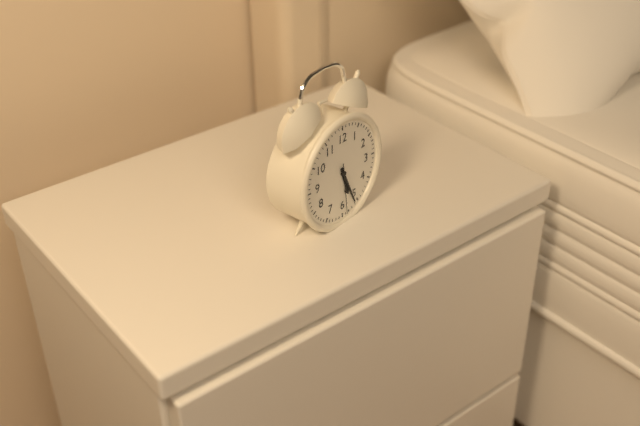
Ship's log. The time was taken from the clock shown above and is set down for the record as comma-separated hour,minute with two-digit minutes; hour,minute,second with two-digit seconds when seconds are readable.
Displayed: 5,26,29
